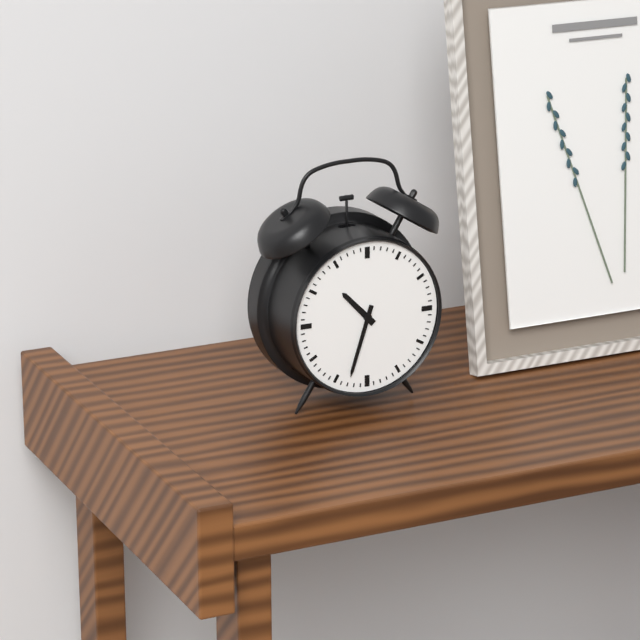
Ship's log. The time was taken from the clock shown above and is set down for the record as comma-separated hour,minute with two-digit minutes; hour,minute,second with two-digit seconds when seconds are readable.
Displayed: 10,33
